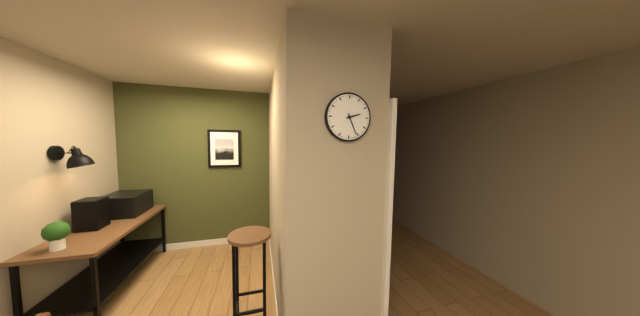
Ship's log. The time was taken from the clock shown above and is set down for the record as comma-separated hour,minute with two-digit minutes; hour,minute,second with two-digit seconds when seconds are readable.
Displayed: 2,26
